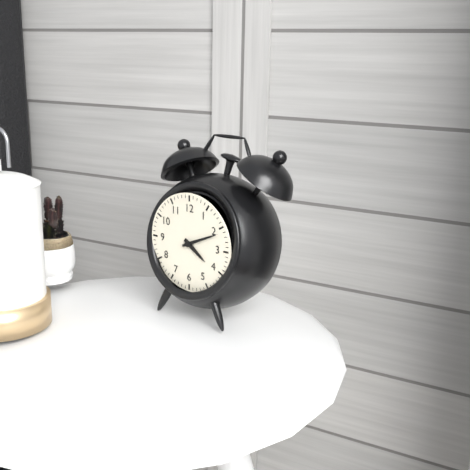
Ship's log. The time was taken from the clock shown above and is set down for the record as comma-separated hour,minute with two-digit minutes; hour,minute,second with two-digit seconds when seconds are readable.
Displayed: 4,11
